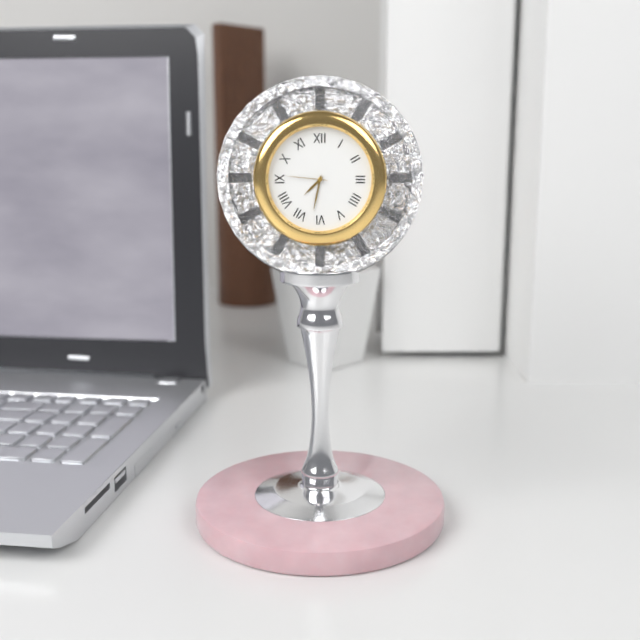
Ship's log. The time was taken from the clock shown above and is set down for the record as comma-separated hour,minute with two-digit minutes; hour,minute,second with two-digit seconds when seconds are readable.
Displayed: 7,32
